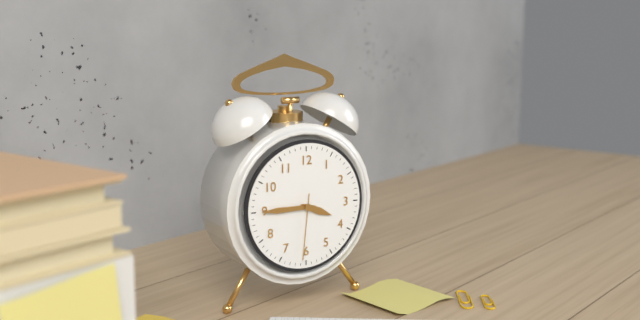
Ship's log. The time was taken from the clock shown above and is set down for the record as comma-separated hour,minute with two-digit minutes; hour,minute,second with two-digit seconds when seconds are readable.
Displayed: 3,45,31
